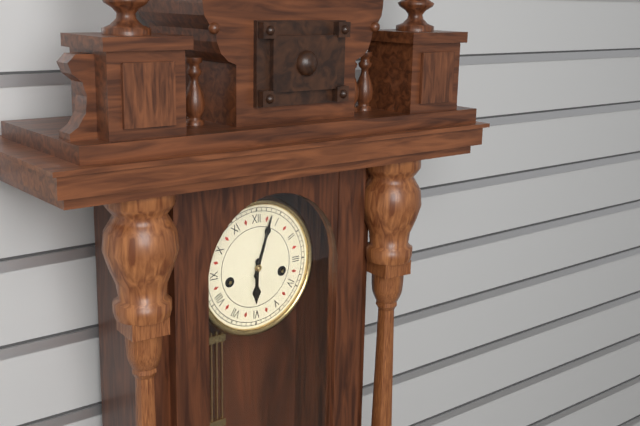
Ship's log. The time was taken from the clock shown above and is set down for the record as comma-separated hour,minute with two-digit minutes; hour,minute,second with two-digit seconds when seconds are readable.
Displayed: 6,03
